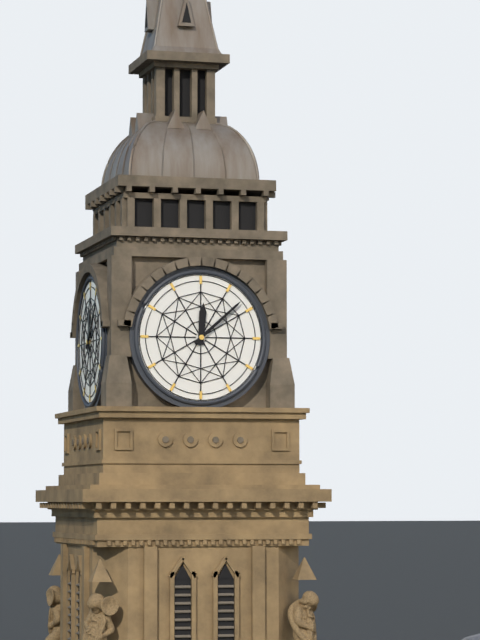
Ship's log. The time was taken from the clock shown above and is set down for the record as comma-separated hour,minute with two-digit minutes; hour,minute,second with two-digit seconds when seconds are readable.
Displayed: 12,08
